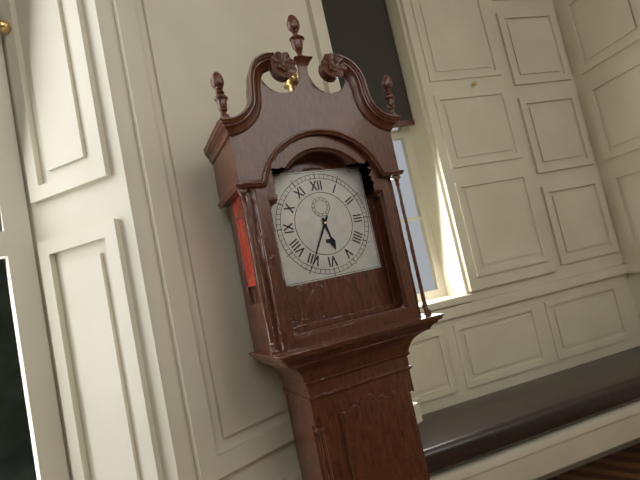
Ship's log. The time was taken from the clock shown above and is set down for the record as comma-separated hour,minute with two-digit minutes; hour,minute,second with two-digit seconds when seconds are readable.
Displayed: 5,35
